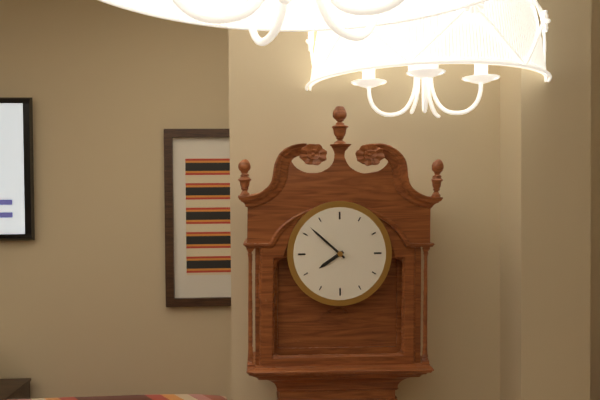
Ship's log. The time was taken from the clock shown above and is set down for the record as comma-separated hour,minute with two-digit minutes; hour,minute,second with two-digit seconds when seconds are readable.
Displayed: 7,52
